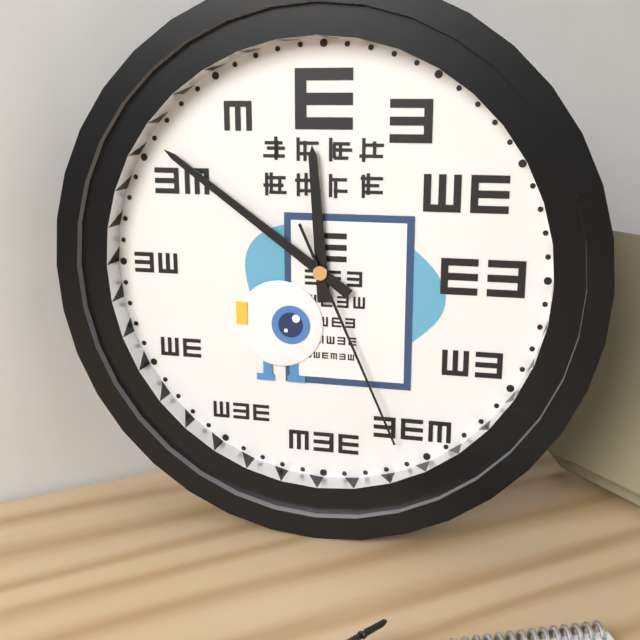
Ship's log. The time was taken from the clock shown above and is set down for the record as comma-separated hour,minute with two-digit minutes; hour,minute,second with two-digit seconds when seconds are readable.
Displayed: 11,51,26
